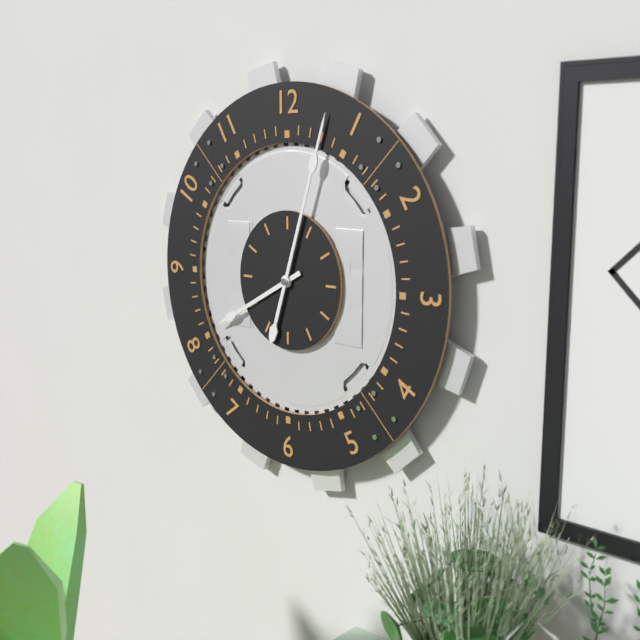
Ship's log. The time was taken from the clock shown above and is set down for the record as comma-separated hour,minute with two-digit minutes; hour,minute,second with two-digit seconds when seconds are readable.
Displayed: 8,03
